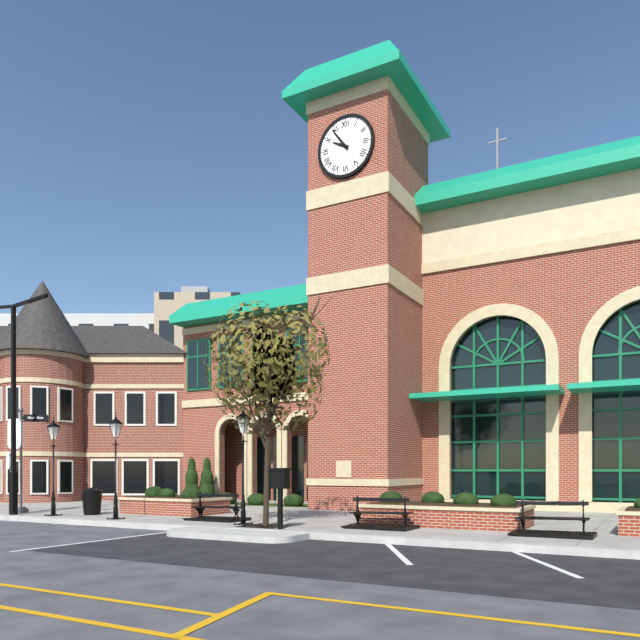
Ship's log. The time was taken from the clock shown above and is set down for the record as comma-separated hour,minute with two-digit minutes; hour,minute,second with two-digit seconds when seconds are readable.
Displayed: 9,54
